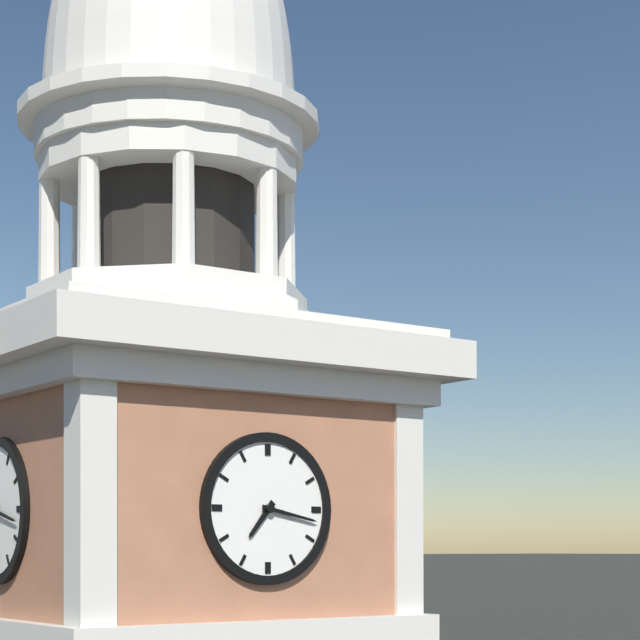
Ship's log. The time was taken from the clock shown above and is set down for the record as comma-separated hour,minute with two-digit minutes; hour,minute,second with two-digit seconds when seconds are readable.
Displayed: 7,17
